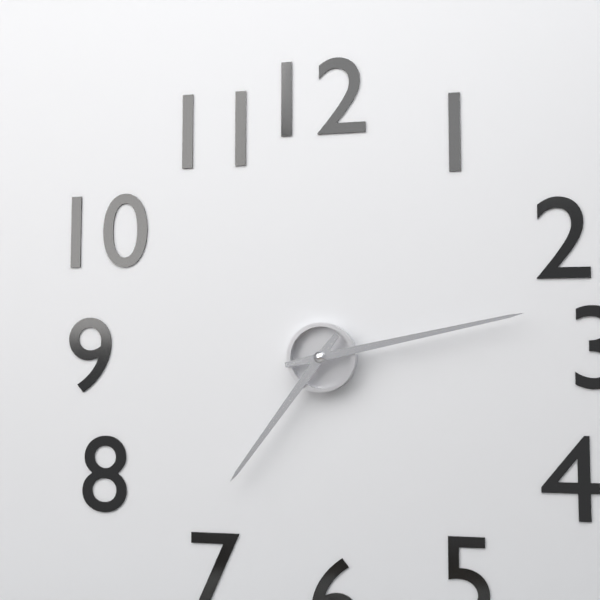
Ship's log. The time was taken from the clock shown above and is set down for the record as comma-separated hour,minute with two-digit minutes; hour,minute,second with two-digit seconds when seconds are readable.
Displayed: 7,13
